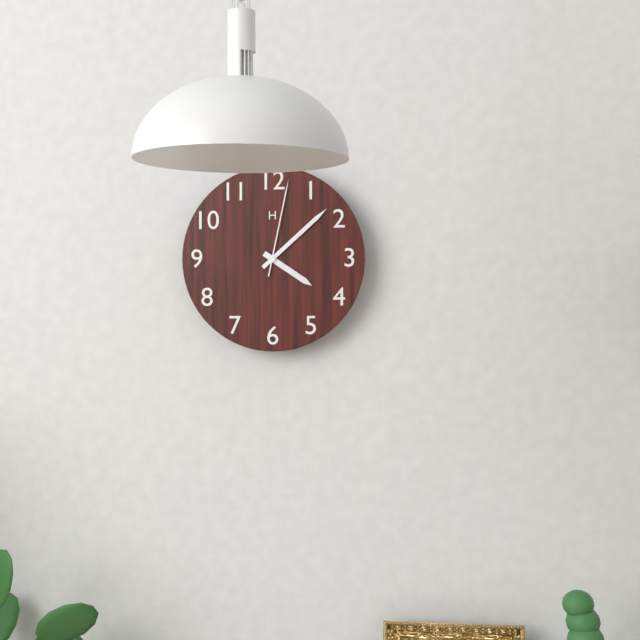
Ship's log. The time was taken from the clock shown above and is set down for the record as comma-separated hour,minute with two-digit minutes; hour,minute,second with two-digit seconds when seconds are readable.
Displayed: 4,08,02
